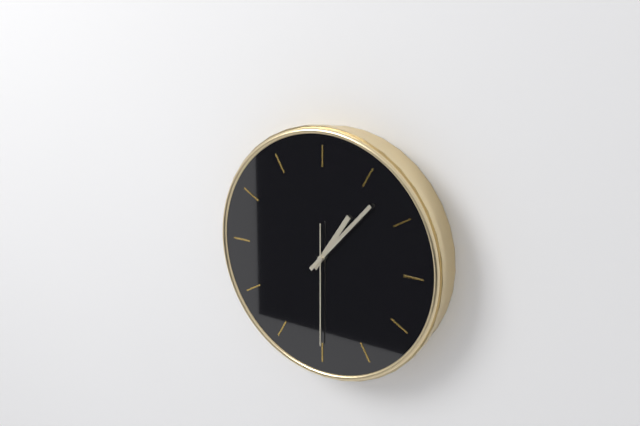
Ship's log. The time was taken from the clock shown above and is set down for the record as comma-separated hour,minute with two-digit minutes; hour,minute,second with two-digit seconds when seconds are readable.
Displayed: 1,07,30
